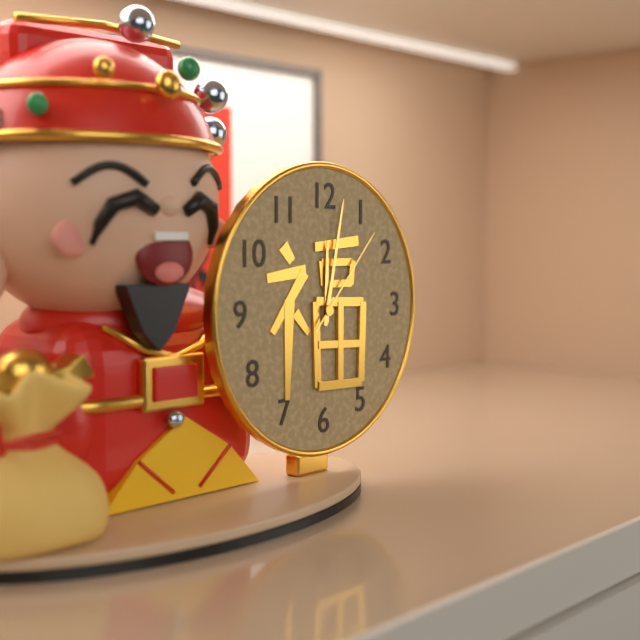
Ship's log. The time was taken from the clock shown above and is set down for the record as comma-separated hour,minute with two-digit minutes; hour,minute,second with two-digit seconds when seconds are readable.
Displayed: 12,02,07
